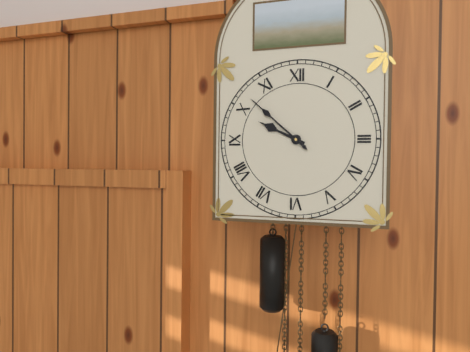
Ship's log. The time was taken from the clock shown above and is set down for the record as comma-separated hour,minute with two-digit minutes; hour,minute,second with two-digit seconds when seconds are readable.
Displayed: 9,52
